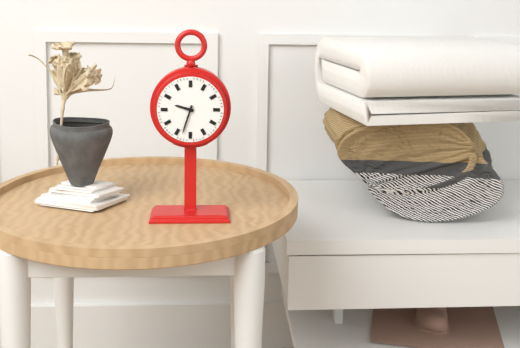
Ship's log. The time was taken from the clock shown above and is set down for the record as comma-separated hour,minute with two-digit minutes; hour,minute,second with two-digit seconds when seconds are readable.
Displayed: 9,33
